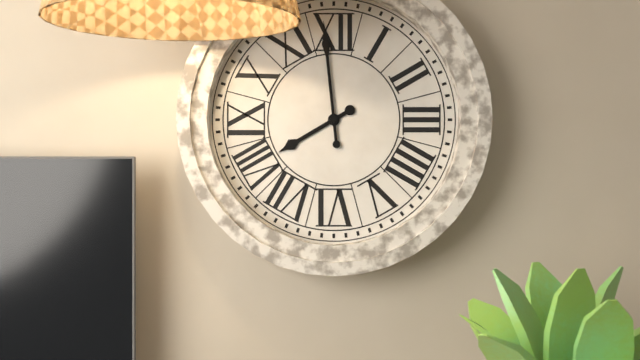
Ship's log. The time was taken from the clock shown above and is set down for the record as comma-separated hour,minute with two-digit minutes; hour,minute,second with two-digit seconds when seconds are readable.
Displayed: 7,59
